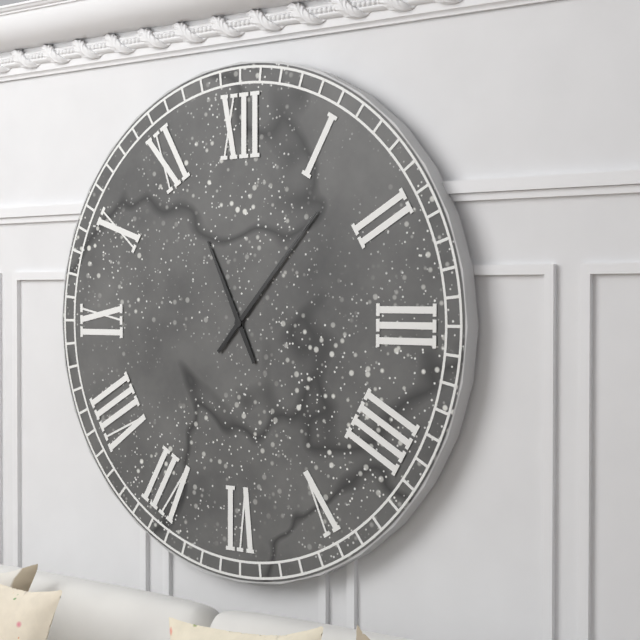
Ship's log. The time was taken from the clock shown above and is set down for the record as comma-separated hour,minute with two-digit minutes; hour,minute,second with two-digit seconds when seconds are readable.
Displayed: 11,07
